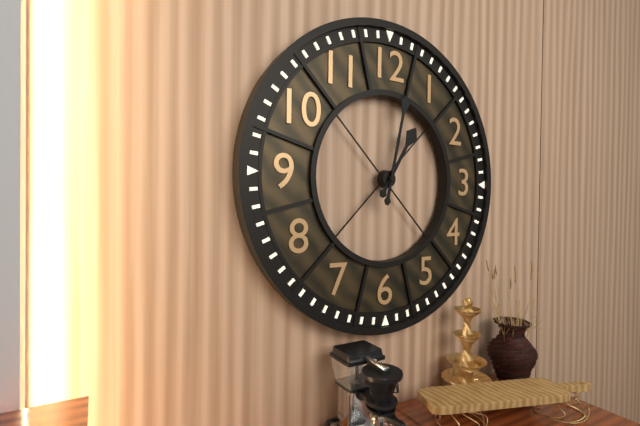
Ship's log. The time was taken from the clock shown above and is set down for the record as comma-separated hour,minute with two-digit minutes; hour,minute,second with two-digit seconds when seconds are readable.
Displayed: 1,02
